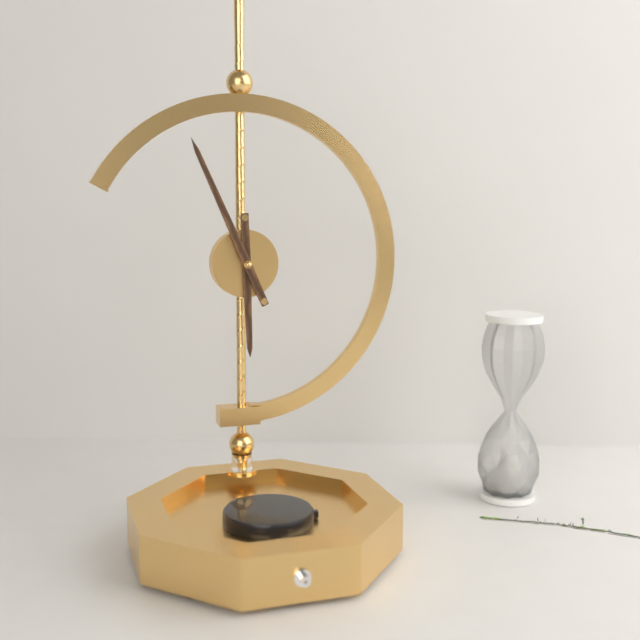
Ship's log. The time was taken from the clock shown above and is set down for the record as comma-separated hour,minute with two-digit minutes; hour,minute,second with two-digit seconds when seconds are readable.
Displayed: 5,56
